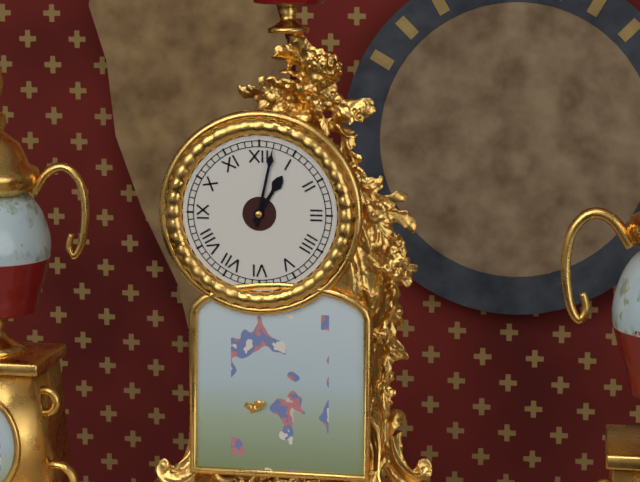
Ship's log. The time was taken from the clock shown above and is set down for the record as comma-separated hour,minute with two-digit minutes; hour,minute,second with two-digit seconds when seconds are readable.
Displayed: 1,02
